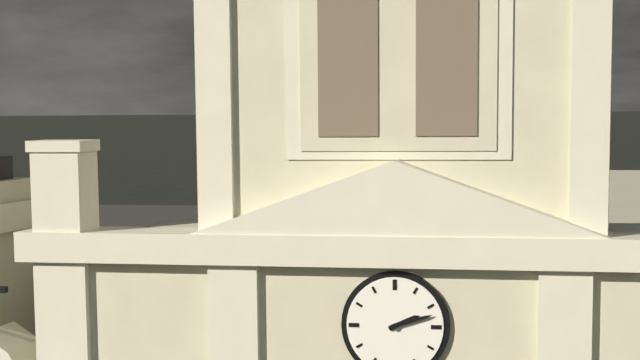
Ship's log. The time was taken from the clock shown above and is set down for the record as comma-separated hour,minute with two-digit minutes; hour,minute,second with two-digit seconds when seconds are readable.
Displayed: 2,12
